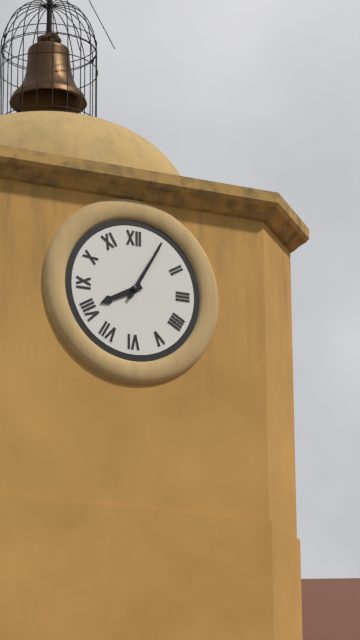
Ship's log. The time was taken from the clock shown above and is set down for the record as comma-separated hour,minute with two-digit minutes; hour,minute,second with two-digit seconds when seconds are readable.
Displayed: 8,05
